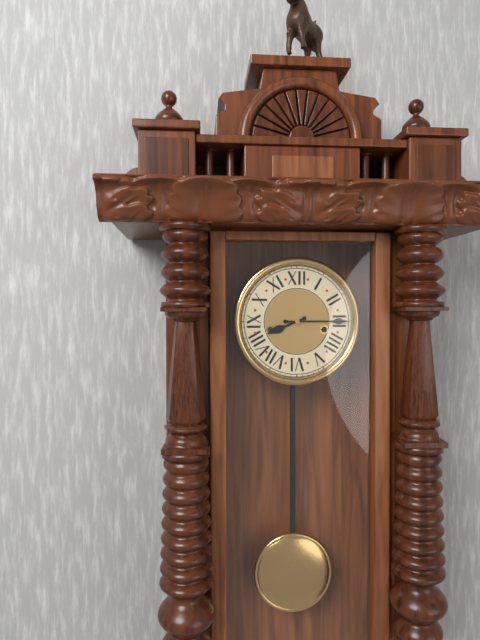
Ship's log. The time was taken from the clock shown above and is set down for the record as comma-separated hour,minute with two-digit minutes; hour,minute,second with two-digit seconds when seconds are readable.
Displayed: 8,15
